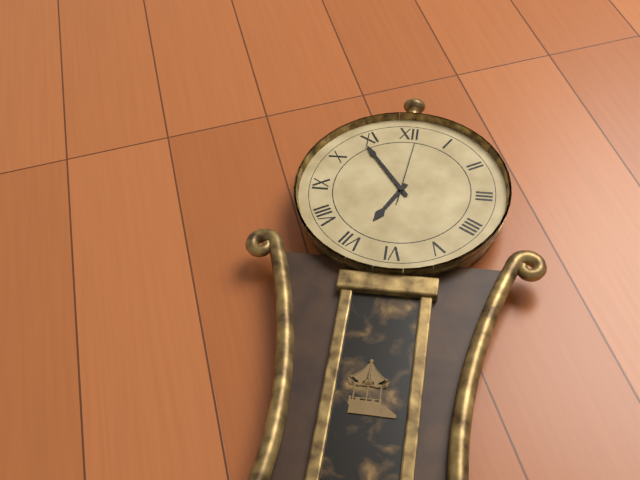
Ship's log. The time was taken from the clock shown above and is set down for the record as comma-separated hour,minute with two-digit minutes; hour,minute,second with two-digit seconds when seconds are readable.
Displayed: 6,54,01
